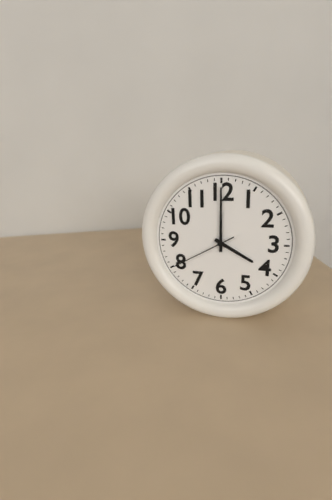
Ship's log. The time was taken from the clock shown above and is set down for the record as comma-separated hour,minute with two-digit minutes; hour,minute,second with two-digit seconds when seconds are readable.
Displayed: 4,00,40
